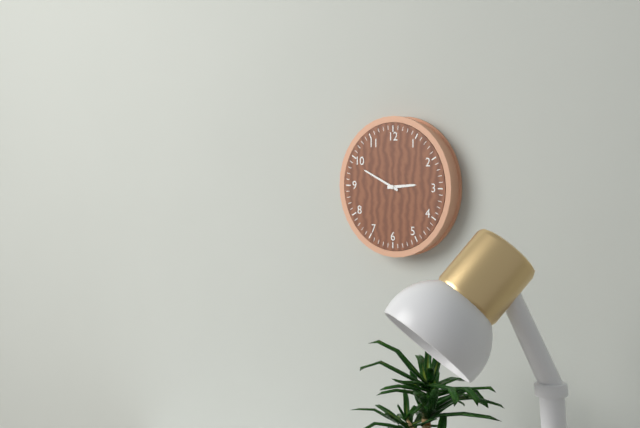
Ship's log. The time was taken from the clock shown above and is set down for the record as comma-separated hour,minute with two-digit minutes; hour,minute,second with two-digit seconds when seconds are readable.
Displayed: 2,49
